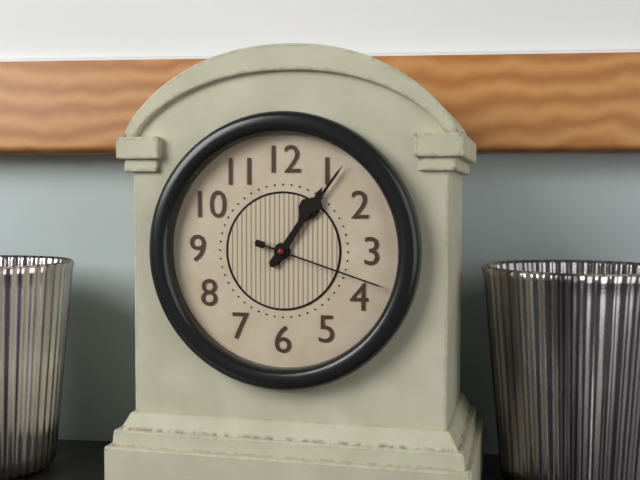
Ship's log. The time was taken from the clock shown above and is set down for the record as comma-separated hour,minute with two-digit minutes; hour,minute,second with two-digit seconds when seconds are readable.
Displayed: 1,06,18
